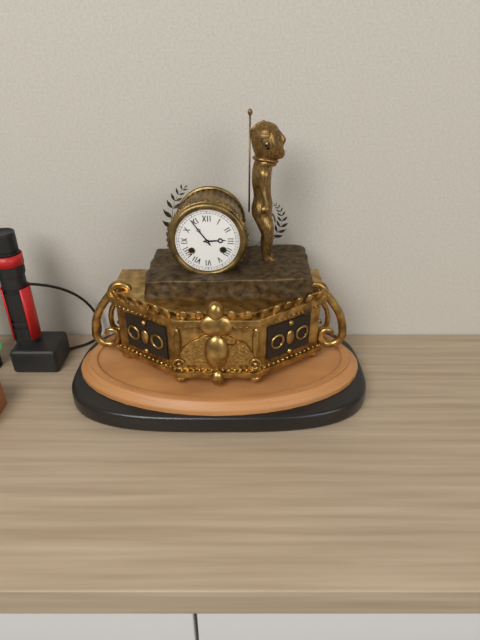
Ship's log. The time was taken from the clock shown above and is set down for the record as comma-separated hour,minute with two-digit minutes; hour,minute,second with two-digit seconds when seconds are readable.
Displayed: 2,54
